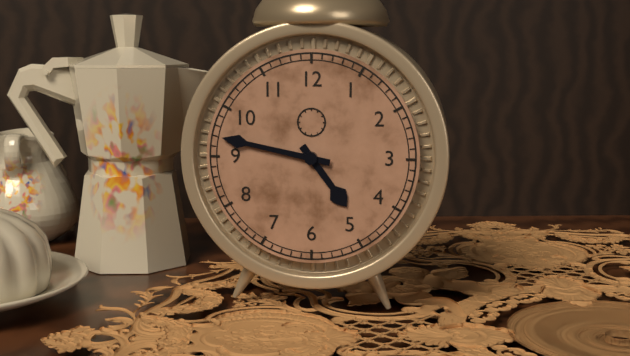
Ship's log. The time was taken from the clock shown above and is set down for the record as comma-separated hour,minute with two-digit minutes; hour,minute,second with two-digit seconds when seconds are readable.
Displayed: 4,47
